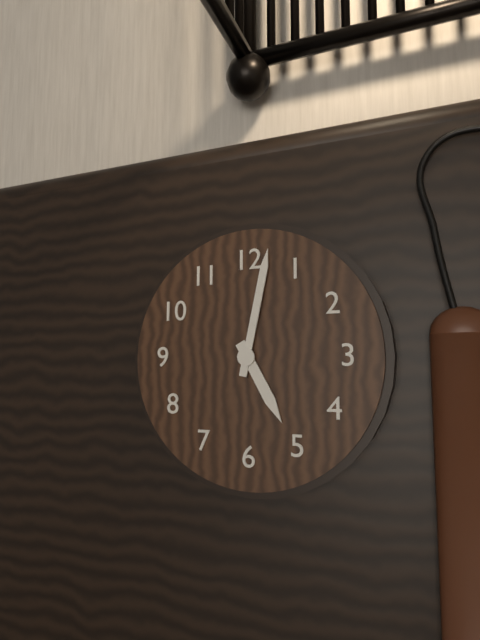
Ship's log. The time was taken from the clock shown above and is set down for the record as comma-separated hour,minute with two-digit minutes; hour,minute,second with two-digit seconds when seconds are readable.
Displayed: 5,02
